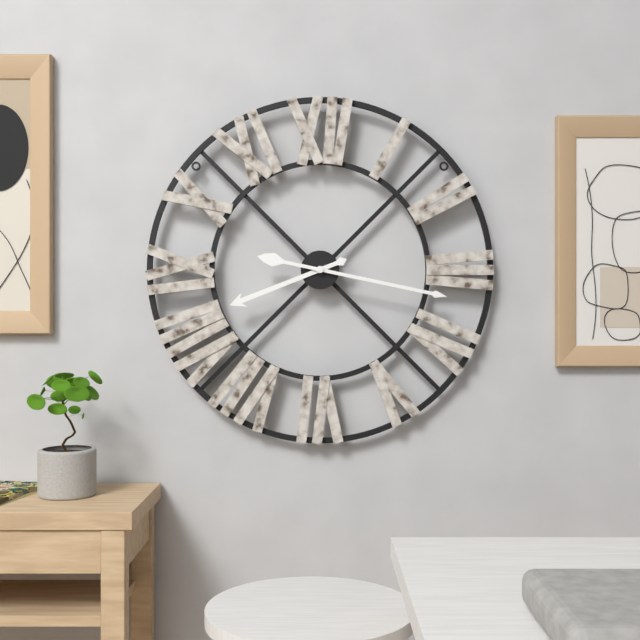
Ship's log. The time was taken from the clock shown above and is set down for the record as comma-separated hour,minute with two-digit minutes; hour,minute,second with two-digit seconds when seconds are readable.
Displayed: 8,17
